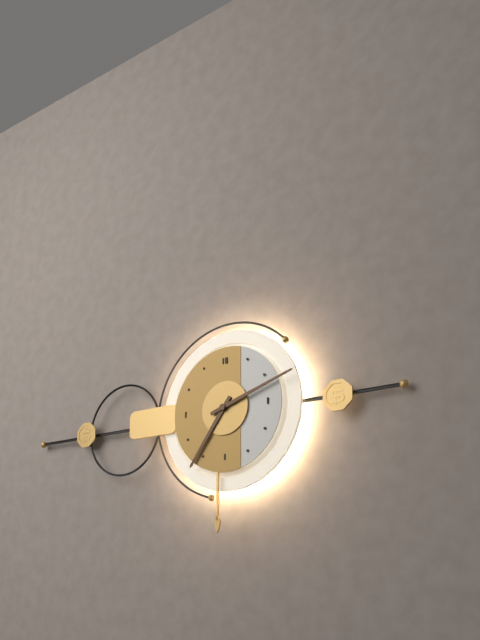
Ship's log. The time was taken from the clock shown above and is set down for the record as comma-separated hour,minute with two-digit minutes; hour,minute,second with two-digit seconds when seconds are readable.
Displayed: 7,12
